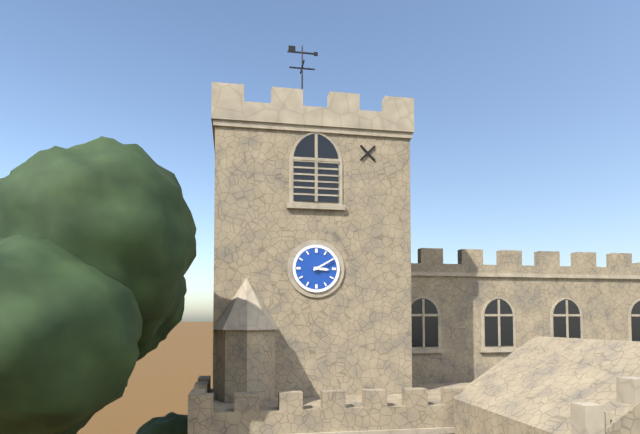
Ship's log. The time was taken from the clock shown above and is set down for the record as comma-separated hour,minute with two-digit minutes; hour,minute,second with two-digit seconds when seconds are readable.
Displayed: 3,10
